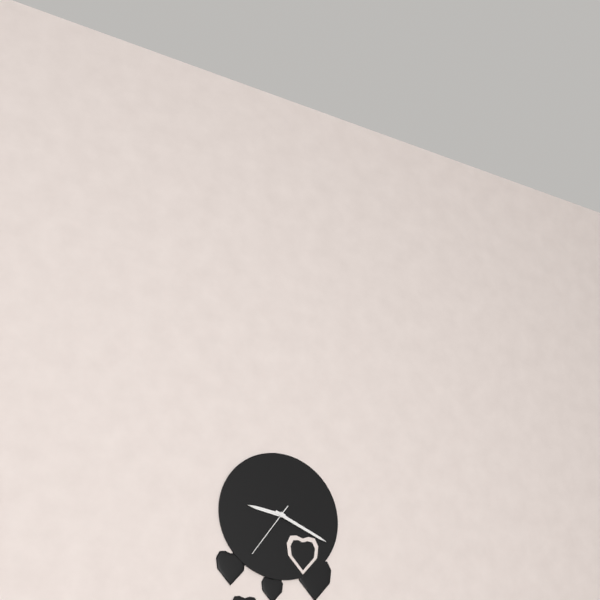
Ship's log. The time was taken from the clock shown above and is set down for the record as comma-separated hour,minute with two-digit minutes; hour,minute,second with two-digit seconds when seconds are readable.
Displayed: 9,19,36
